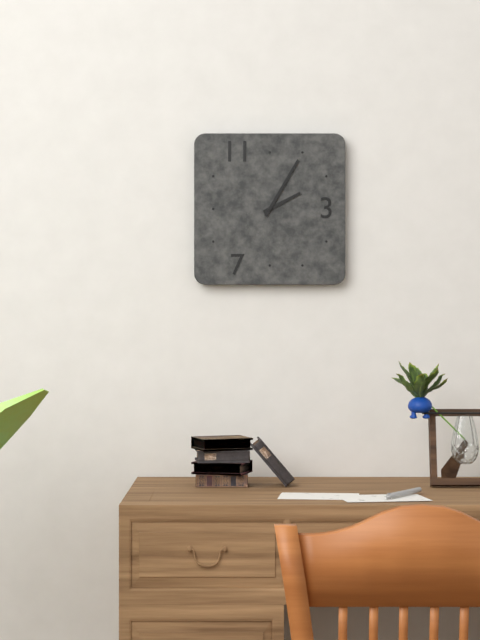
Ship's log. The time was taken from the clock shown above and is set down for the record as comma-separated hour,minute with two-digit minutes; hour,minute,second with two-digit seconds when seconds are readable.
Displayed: 2,05
